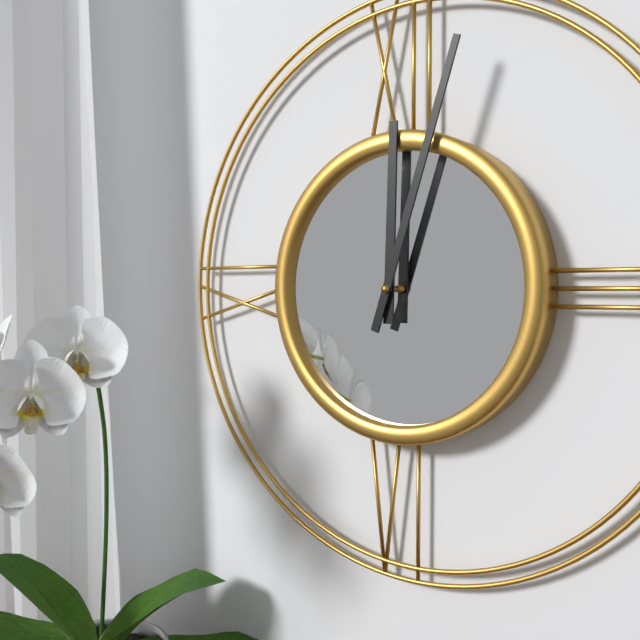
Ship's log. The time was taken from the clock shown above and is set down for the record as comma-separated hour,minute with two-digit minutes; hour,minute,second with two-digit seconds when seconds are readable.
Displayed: 12,03
